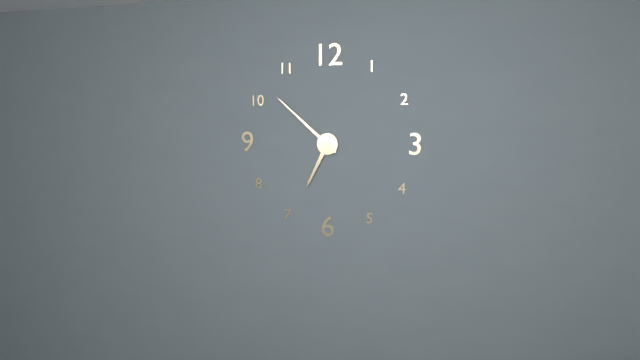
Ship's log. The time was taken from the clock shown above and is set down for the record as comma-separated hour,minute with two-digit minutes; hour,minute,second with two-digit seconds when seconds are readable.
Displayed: 6,52
